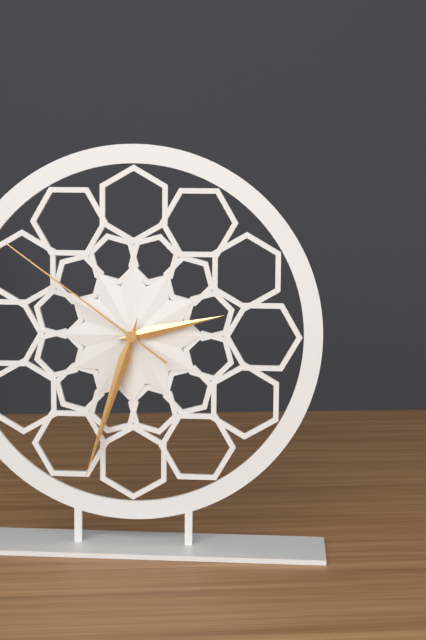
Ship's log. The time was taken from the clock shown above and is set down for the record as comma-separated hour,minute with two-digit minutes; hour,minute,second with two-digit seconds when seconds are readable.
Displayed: 2,33,51
